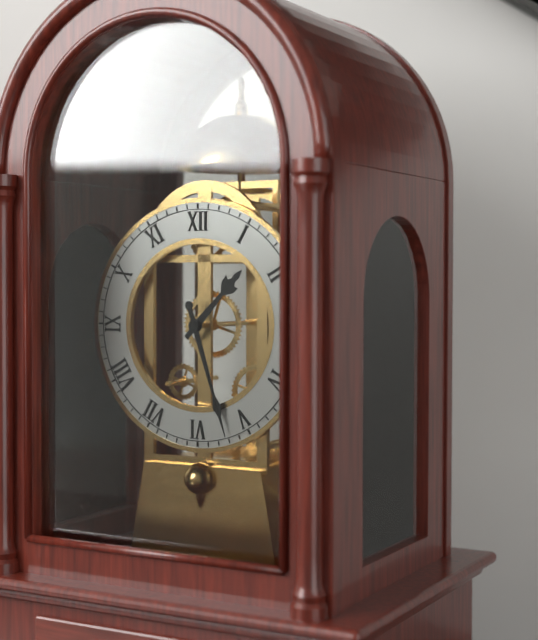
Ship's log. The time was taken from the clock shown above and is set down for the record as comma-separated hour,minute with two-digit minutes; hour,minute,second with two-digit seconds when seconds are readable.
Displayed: 1,27
